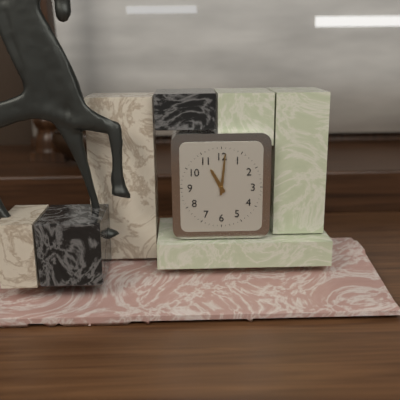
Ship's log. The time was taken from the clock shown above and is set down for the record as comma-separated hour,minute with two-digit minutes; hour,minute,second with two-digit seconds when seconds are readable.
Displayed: 11,01
